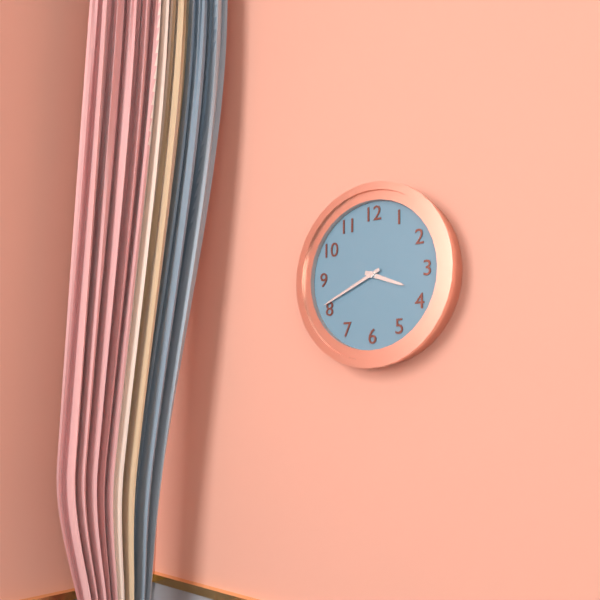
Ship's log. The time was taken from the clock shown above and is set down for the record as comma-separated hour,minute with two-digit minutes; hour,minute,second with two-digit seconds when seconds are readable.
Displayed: 3,41
